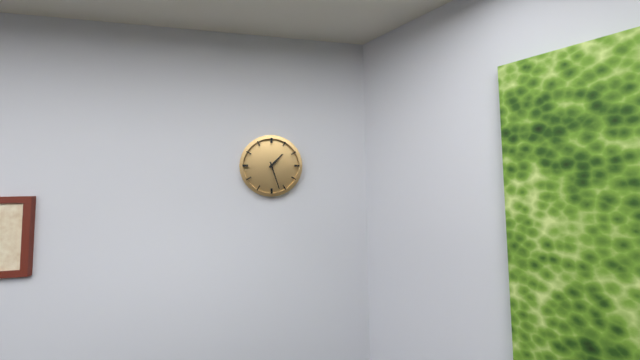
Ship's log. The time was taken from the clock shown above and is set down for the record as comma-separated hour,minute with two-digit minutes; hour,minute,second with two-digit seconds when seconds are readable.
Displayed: 1,27
